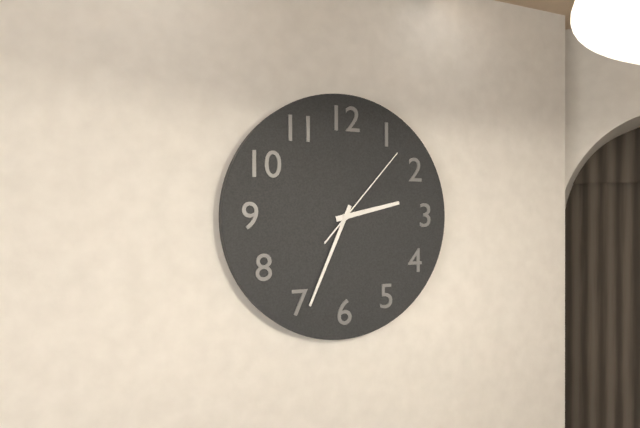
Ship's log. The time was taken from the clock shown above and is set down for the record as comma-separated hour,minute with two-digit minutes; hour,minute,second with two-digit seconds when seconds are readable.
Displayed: 2,34,07
